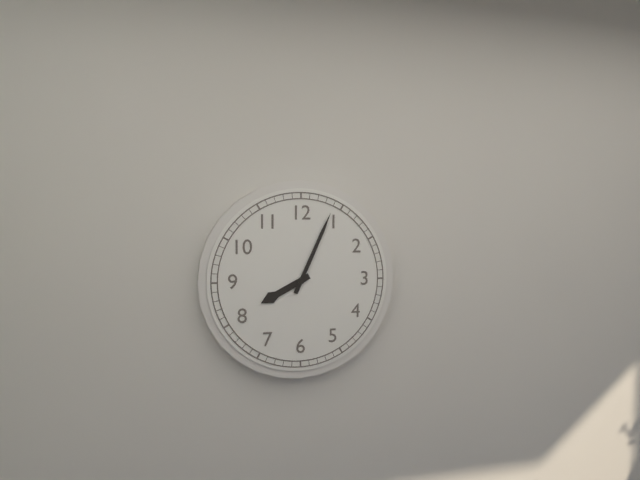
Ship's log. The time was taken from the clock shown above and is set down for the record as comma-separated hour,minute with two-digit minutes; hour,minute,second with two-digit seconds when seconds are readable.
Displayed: 8,04
